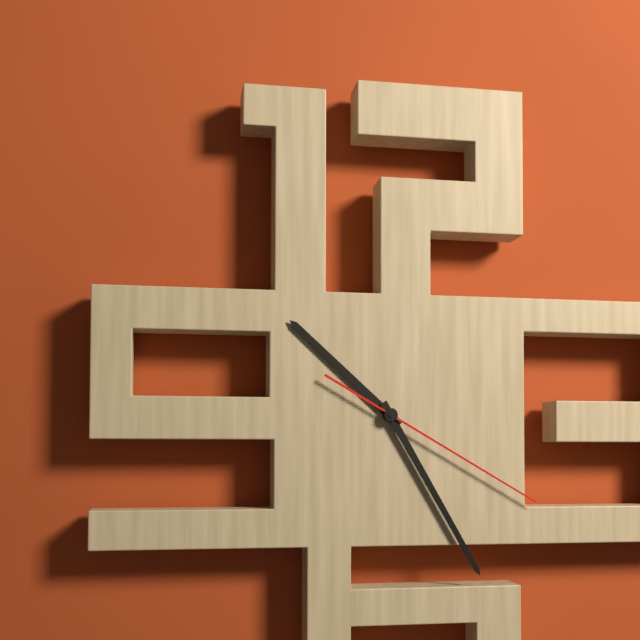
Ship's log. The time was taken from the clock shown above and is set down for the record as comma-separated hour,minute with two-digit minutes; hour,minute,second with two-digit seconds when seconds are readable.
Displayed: 10,25,20
